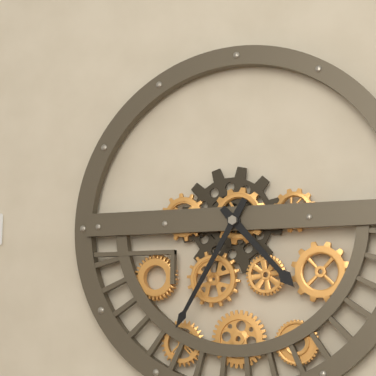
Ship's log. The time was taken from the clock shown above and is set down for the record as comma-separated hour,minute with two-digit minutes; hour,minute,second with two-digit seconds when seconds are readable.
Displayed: 4,35
